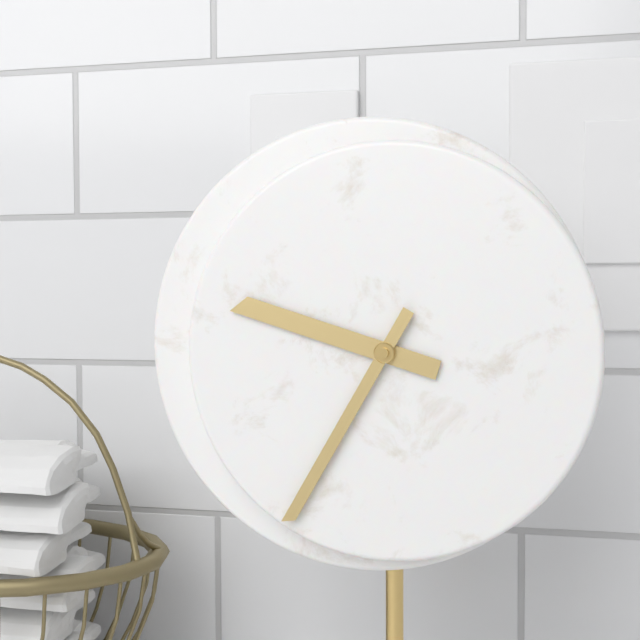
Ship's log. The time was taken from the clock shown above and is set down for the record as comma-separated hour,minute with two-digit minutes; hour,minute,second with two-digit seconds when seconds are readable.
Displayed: 9,35
